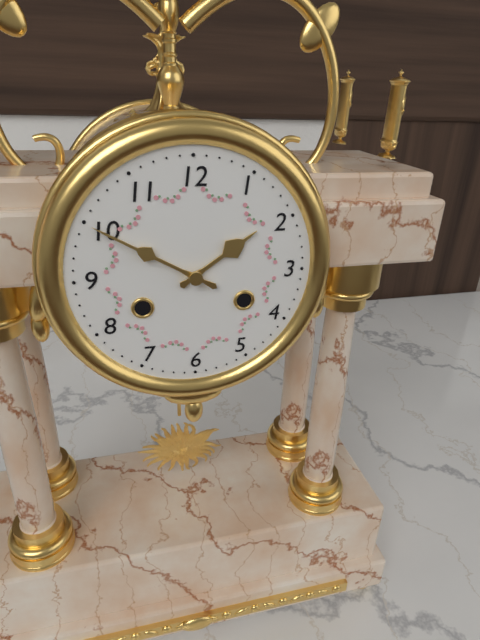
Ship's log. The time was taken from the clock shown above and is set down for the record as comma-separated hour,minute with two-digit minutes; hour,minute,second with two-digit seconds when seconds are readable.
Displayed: 1,50
